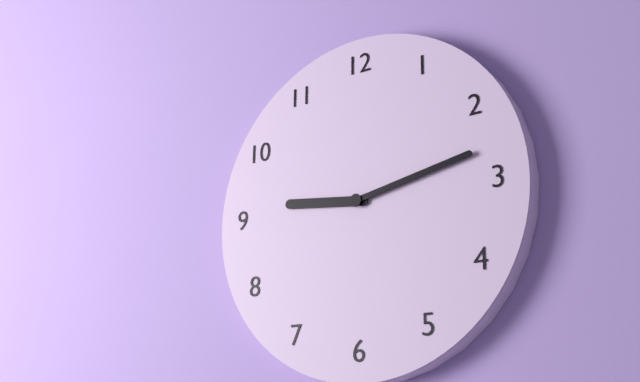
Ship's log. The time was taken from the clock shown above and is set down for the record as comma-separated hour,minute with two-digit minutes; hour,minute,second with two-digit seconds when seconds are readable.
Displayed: 9,13
